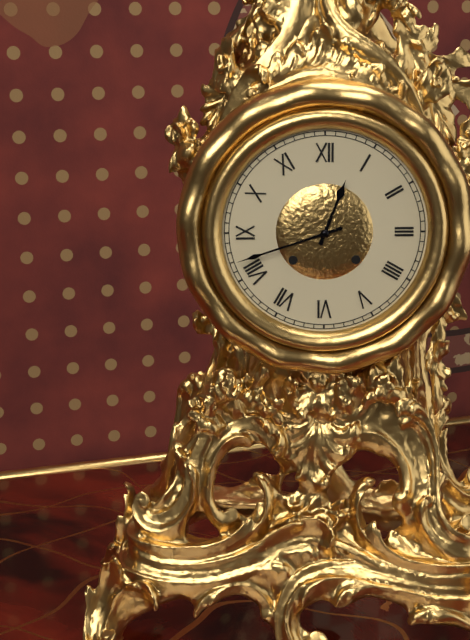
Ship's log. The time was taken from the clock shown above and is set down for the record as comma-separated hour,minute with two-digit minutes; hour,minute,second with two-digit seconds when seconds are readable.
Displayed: 12,42
